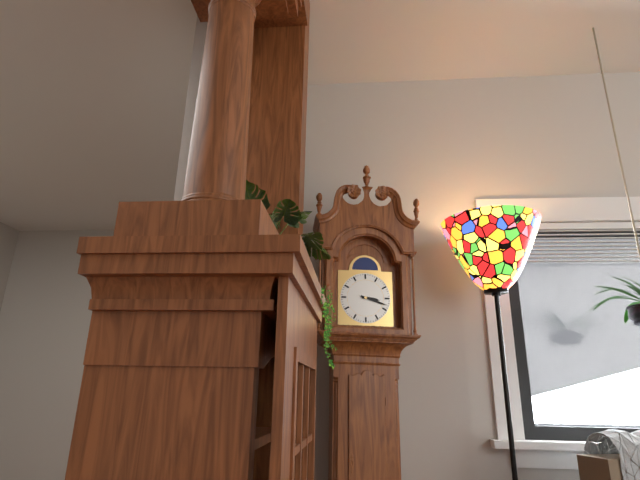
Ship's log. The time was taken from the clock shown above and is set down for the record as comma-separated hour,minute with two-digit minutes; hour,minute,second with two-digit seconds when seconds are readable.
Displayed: 3,18
